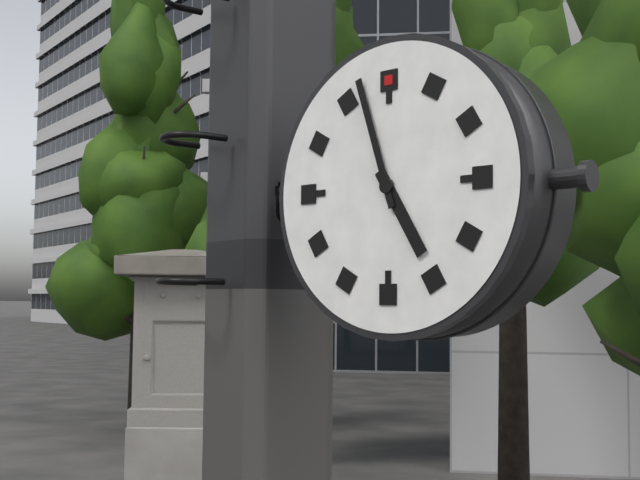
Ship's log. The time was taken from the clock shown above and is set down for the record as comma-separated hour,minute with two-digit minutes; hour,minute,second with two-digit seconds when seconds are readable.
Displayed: 4,57
